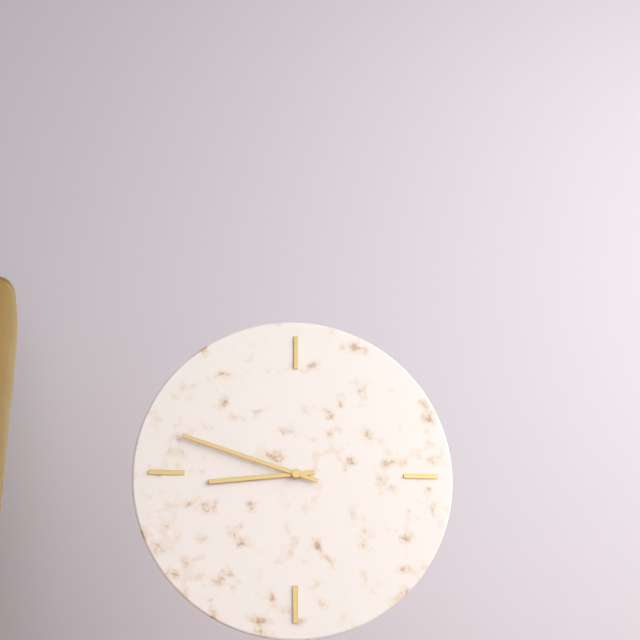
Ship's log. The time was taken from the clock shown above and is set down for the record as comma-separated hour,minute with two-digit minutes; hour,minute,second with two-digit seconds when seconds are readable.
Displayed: 8,48
